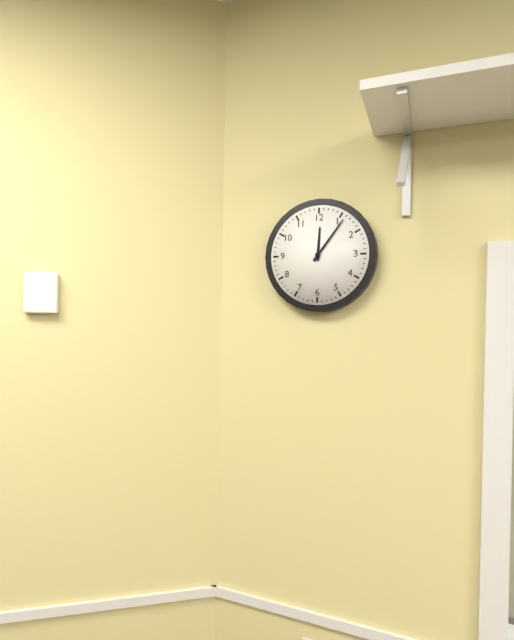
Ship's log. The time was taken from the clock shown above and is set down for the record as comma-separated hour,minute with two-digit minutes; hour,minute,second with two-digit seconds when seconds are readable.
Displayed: 12,06
